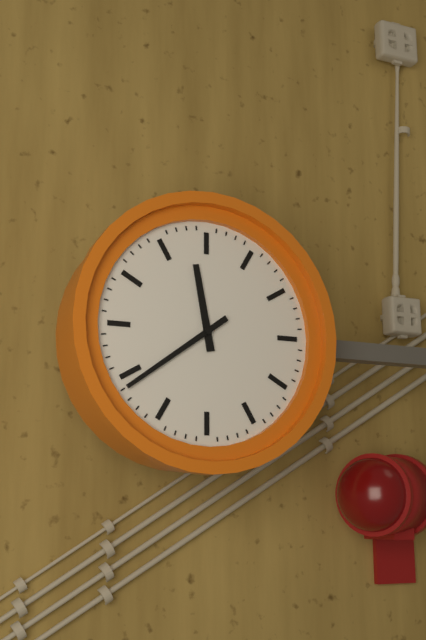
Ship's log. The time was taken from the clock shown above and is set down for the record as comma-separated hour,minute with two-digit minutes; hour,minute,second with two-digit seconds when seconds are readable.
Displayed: 11,39
